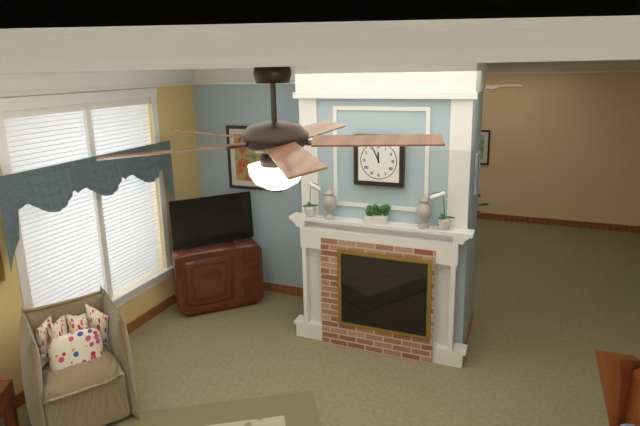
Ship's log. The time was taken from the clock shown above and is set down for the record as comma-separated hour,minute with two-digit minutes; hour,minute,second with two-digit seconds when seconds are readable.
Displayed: 11,56
